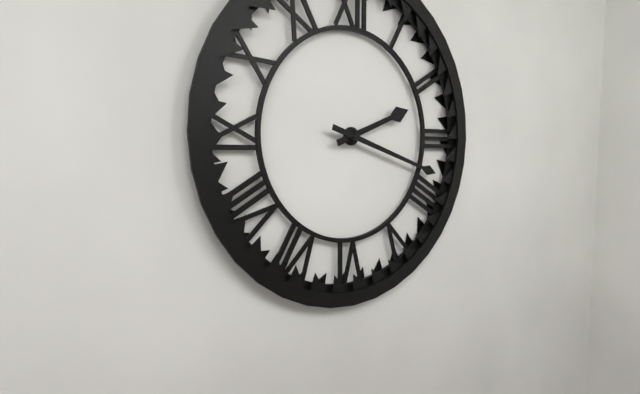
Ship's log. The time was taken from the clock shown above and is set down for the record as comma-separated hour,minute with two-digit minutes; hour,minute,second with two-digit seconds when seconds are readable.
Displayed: 2,18
